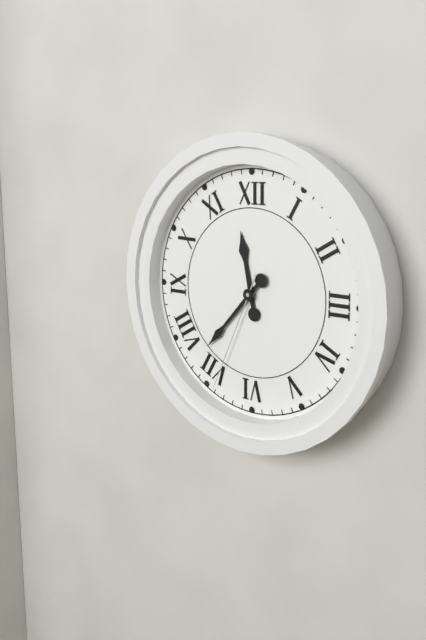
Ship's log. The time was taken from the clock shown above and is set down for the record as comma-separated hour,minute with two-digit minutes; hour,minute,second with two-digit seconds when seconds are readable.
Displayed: 11,37,34
